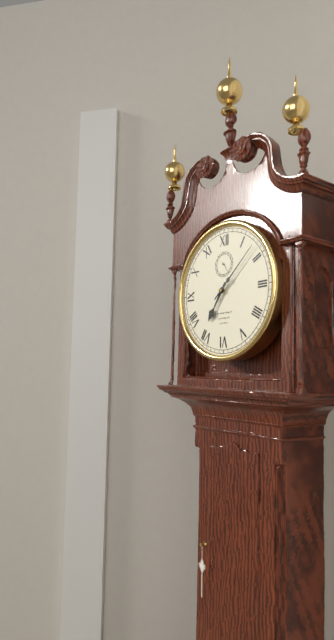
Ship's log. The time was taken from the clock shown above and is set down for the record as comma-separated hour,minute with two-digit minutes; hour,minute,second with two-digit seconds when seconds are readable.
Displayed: 7,08
